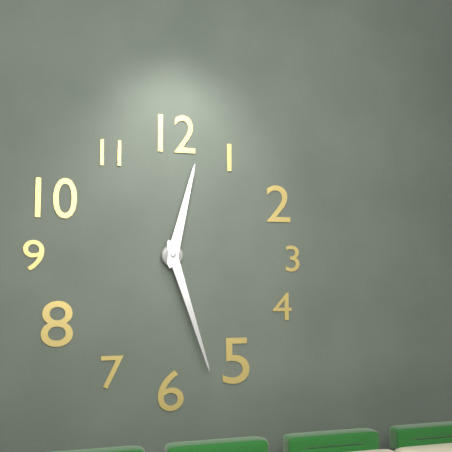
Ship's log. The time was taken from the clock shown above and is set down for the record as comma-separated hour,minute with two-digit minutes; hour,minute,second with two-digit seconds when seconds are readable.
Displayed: 12,27
